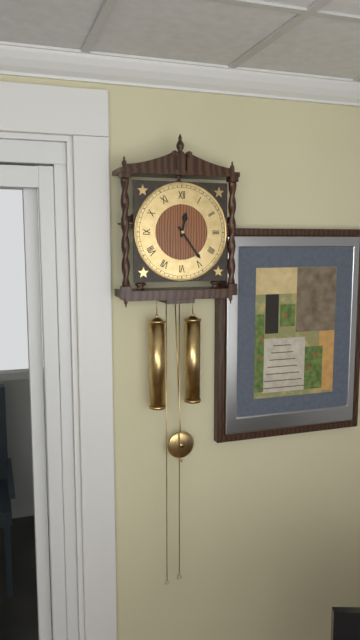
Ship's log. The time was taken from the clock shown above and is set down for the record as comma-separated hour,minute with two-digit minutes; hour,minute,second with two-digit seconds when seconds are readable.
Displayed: 12,24
